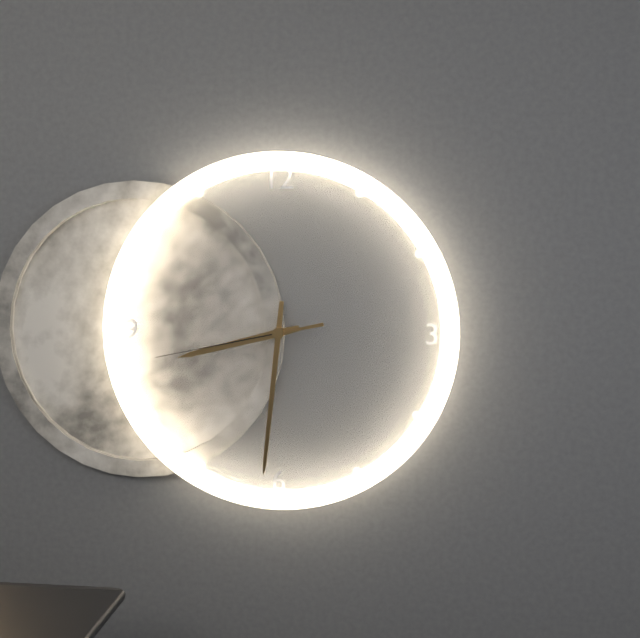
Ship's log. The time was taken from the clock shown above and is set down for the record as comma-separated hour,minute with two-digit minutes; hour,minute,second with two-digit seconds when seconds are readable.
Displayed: 8,31,43
